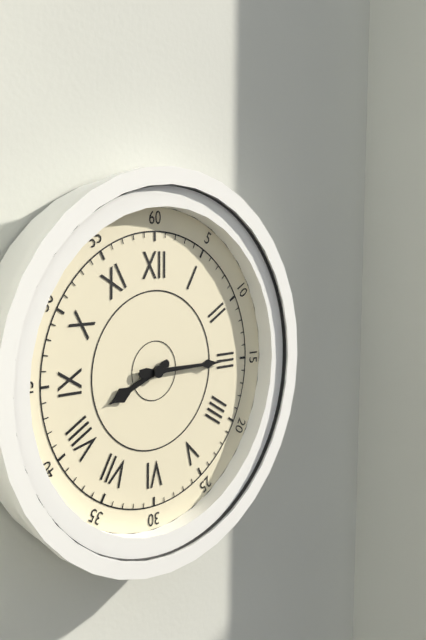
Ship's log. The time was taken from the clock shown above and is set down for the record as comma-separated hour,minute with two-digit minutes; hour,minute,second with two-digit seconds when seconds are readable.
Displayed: 8,15
